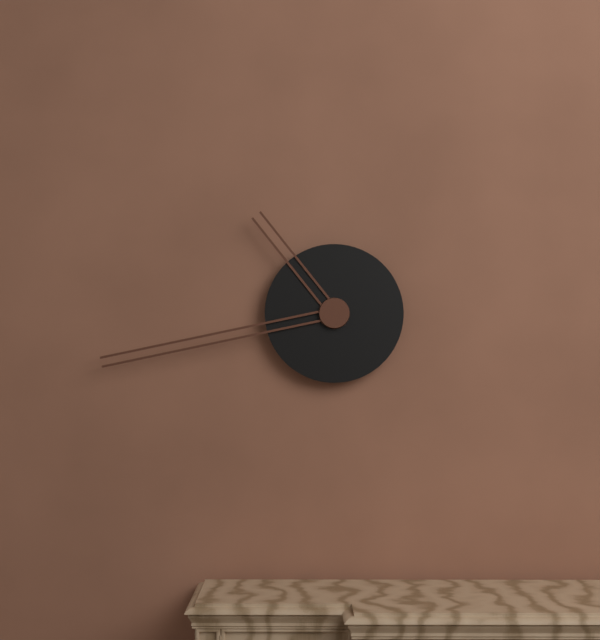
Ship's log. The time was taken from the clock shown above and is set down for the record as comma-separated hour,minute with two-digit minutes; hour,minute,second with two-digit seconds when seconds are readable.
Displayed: 10,43
